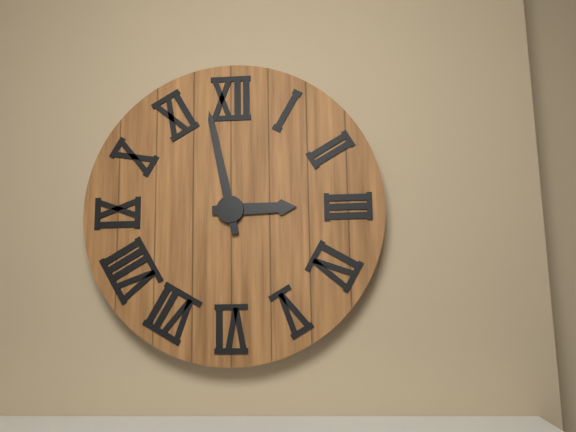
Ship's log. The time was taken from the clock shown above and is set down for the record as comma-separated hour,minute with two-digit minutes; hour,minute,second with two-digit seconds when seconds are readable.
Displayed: 2,58
